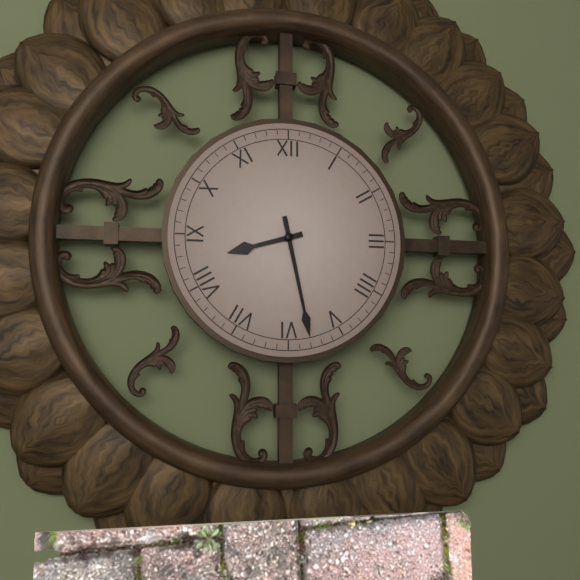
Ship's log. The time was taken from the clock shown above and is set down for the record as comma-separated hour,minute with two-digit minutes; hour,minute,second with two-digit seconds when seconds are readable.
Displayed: 8,28
